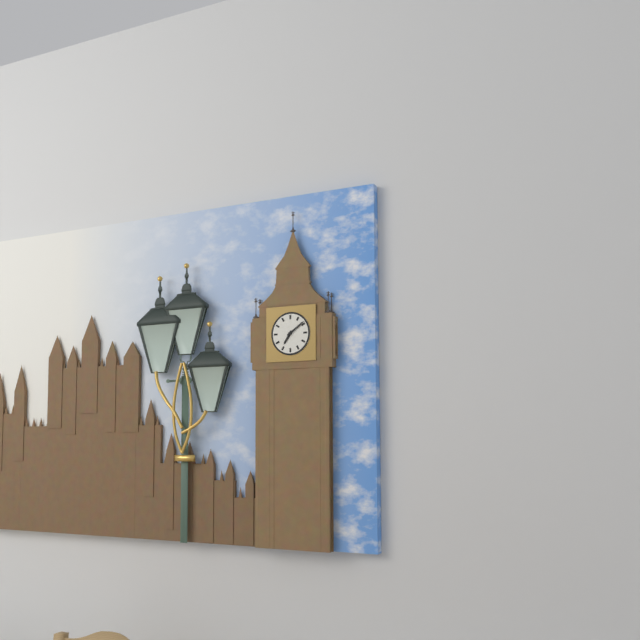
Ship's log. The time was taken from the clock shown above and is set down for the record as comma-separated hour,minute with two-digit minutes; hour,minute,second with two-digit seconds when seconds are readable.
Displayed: 7,09
